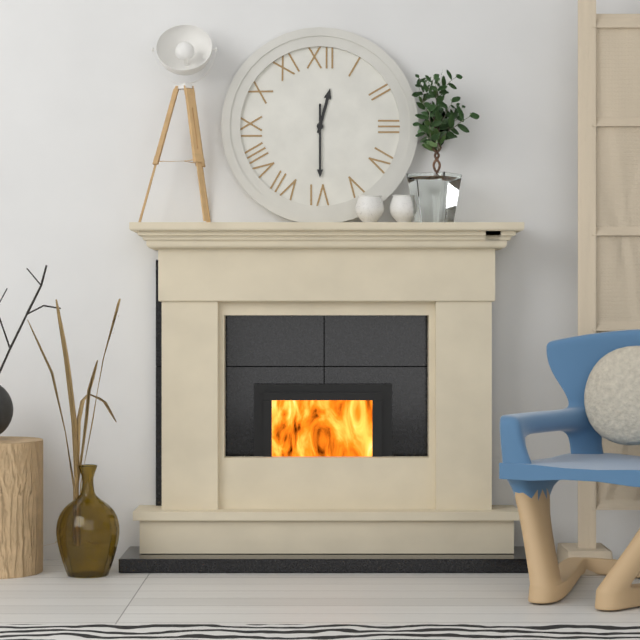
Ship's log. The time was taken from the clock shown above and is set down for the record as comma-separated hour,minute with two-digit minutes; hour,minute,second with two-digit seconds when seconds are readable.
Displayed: 12,30
